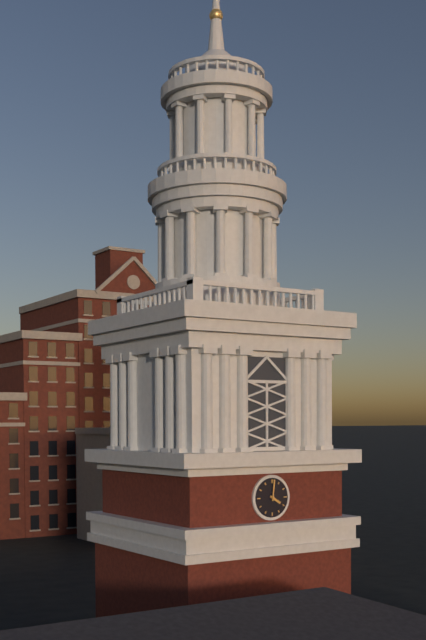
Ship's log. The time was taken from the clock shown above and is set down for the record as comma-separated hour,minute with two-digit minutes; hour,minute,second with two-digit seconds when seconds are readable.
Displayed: 4,01
